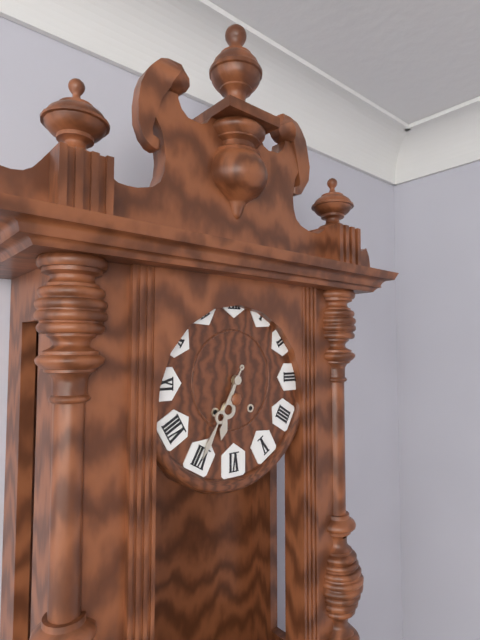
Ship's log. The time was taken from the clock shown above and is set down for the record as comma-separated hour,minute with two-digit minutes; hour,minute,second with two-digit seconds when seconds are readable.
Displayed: 6,35
